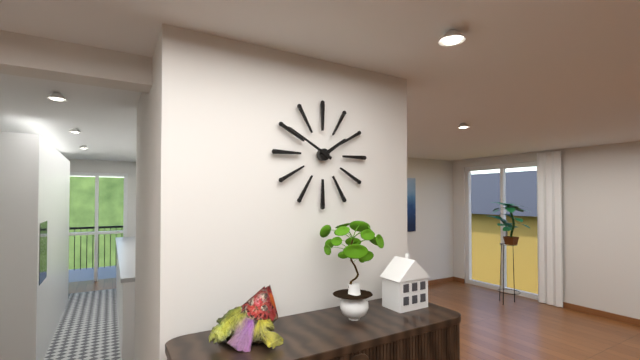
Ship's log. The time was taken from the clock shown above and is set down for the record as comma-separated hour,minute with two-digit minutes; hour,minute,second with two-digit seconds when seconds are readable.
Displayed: 1,50
